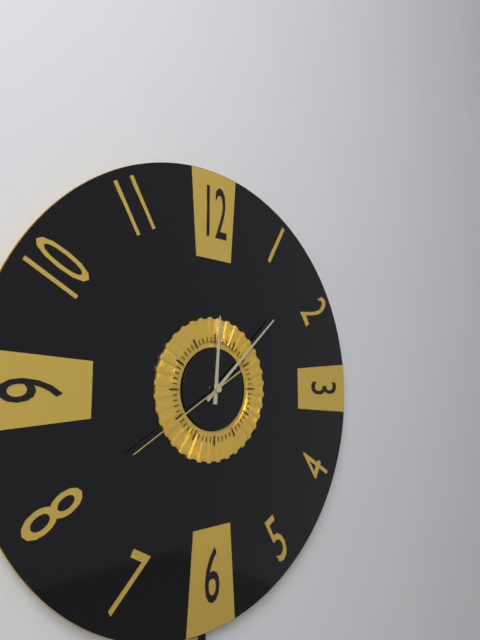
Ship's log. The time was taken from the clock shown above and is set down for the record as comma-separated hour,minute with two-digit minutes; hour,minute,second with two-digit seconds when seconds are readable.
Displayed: 12,08,40
